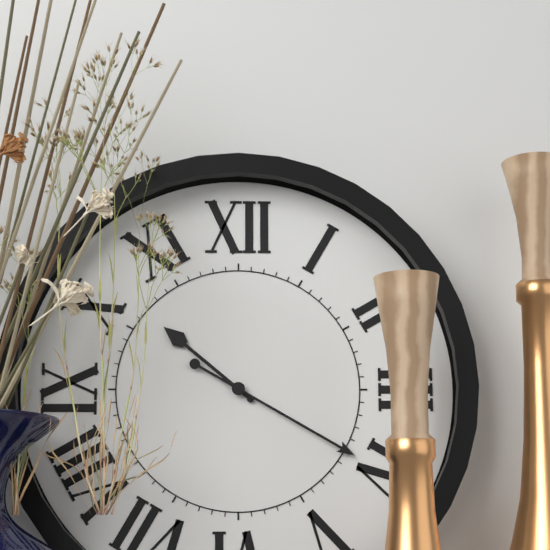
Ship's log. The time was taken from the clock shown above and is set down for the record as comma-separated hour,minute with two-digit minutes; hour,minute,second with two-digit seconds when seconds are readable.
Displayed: 10,20
